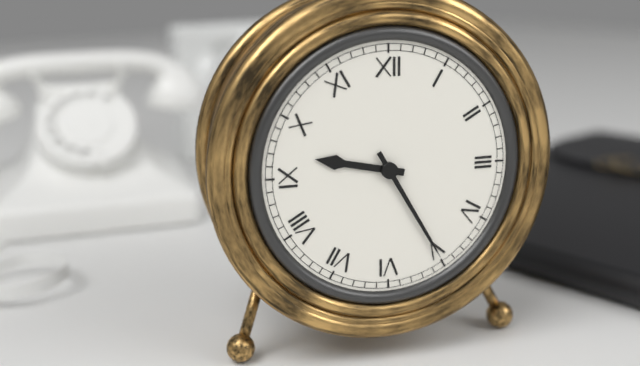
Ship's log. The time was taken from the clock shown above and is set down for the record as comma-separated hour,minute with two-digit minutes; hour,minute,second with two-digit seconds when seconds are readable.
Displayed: 9,25
